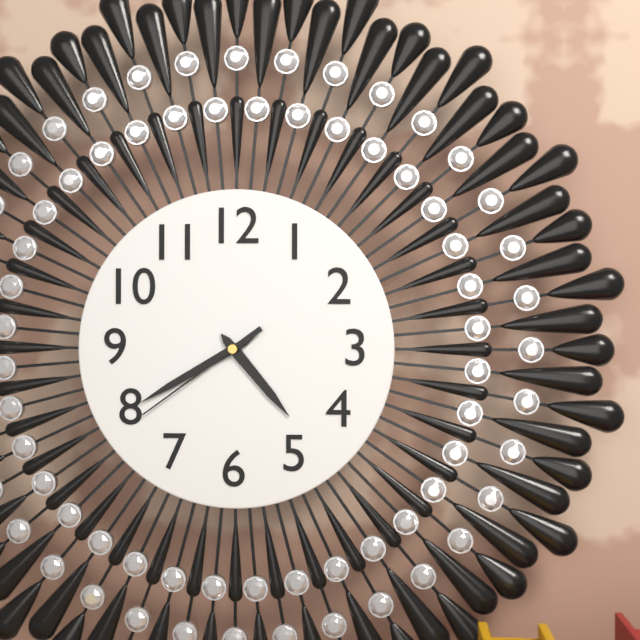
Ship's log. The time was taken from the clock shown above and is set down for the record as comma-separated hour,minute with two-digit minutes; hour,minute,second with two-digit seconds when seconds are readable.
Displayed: 4,40,39
